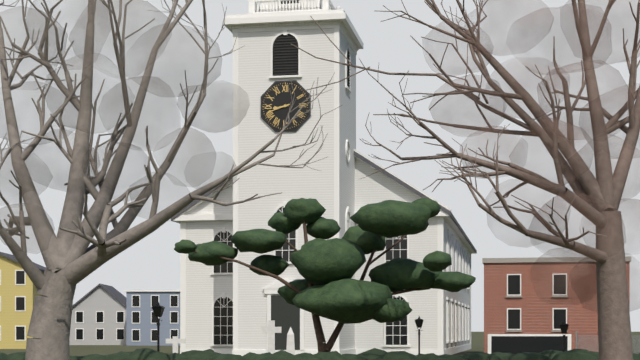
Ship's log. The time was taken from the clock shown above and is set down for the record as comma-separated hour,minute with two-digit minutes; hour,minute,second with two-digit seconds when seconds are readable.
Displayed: 8,42
